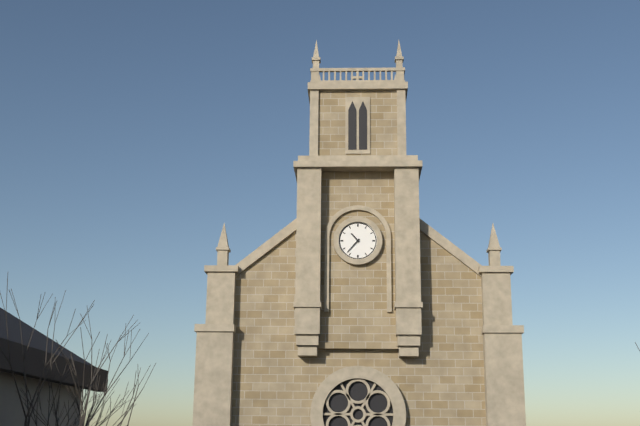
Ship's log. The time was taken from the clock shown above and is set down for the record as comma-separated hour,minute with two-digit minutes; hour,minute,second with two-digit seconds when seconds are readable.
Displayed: 10,37
